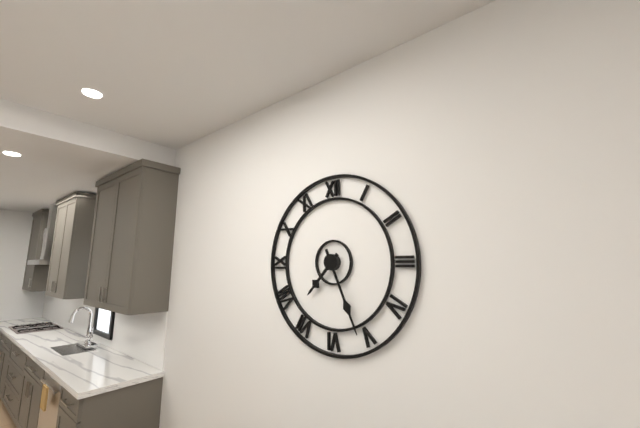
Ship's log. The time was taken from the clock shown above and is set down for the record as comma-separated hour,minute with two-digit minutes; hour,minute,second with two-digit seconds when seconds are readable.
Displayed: 7,26
